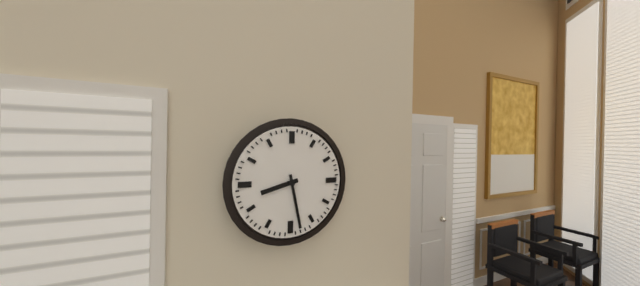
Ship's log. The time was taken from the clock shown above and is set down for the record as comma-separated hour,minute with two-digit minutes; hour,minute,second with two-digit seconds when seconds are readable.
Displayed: 8,28
